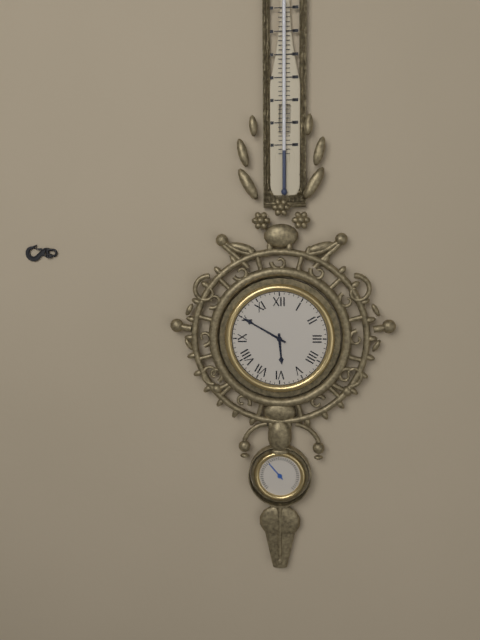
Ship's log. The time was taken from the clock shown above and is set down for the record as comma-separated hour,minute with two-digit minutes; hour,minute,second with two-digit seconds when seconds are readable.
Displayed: 5,50
